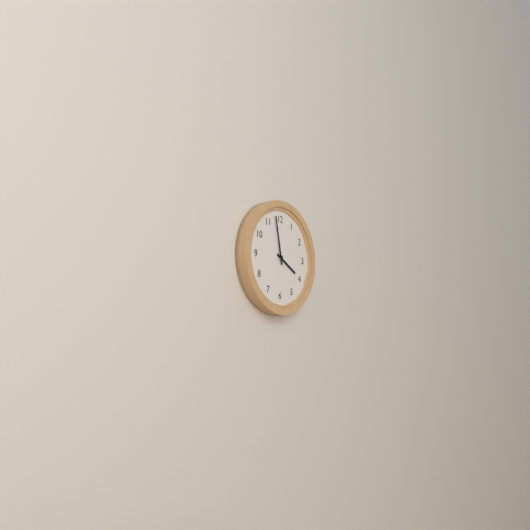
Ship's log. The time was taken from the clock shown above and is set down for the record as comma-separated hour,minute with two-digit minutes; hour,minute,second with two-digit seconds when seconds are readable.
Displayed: 3,58
